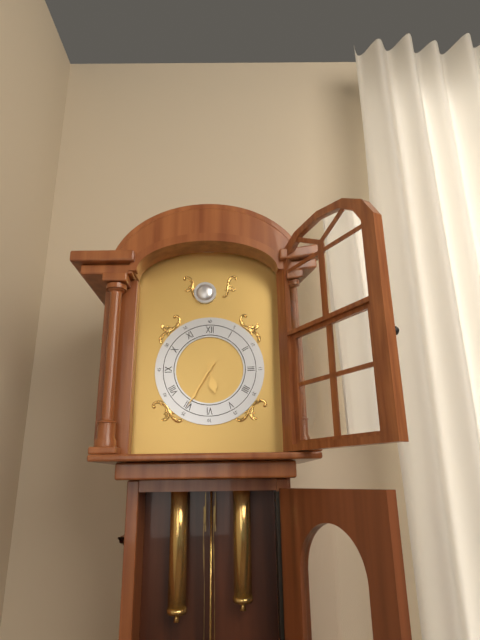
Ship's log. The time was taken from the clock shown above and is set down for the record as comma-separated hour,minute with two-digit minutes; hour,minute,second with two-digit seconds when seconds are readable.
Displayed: 5,35
